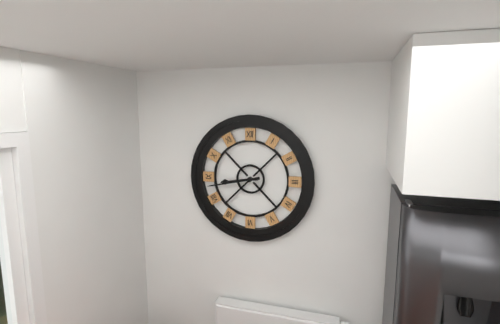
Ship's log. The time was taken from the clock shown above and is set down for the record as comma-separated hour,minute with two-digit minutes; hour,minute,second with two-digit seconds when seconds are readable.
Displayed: 8,43
